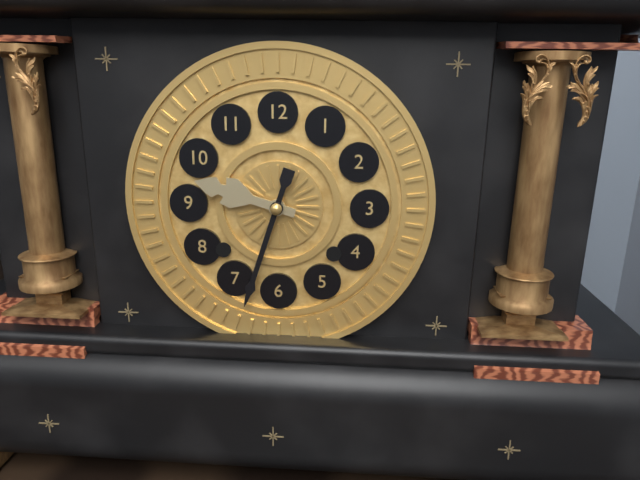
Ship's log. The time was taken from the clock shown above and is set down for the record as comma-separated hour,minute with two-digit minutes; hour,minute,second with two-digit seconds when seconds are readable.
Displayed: 9,33
